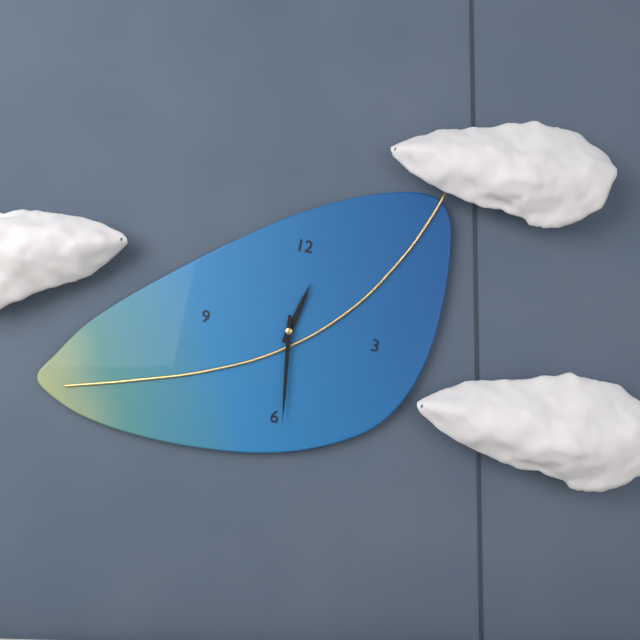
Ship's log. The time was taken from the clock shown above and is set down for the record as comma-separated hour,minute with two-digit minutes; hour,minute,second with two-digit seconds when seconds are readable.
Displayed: 12,29
